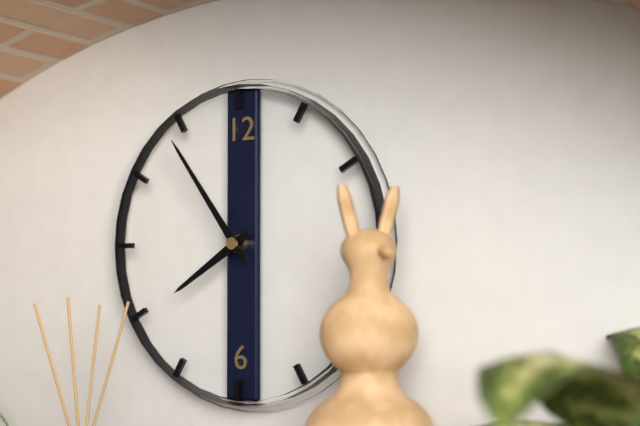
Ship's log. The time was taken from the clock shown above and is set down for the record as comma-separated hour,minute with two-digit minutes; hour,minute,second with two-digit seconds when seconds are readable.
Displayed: 7,54
